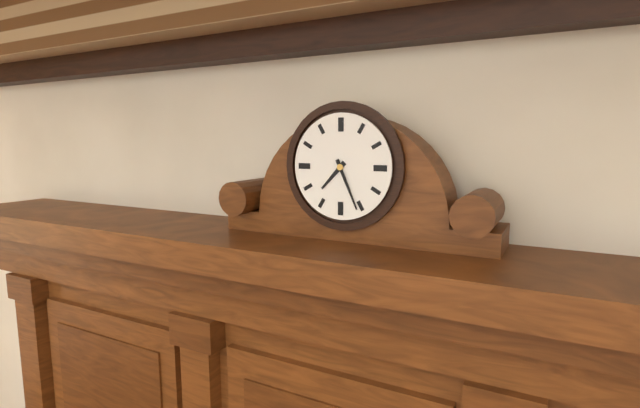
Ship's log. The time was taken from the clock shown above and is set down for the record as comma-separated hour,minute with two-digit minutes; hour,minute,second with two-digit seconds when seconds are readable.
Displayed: 7,26
